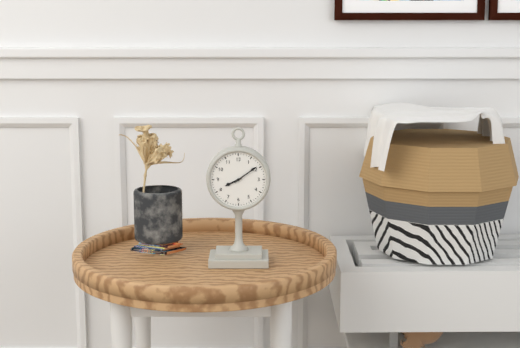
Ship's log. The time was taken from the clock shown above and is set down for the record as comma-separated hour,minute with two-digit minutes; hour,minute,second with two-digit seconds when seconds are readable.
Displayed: 8,09
